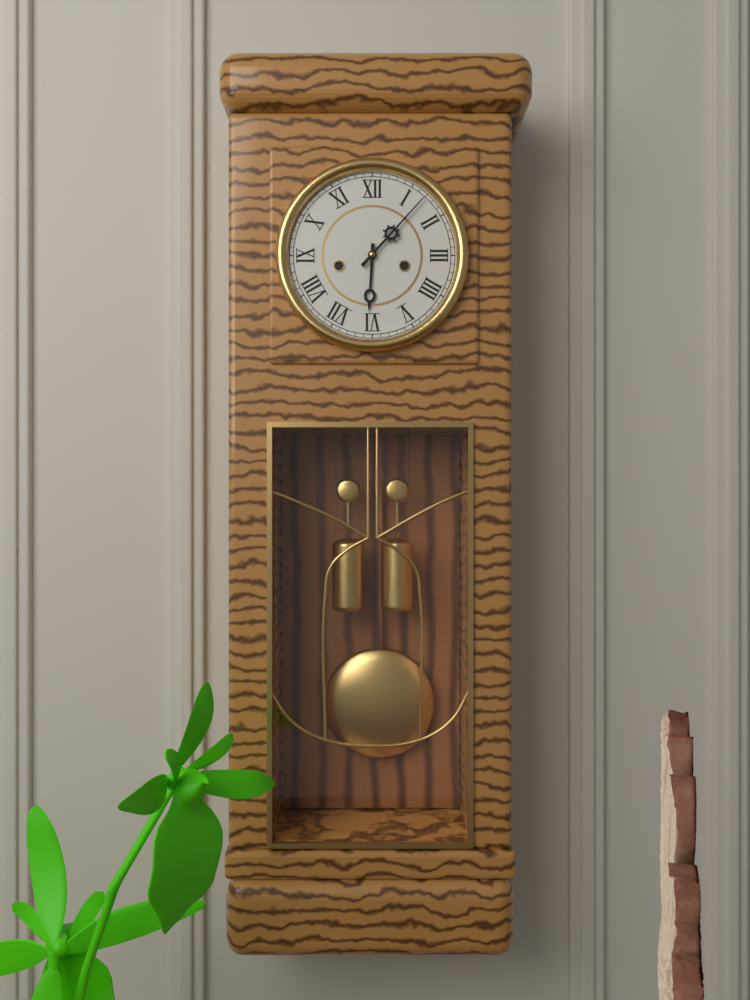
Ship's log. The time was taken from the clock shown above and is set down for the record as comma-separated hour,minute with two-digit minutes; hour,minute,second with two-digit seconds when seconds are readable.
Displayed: 6,07
